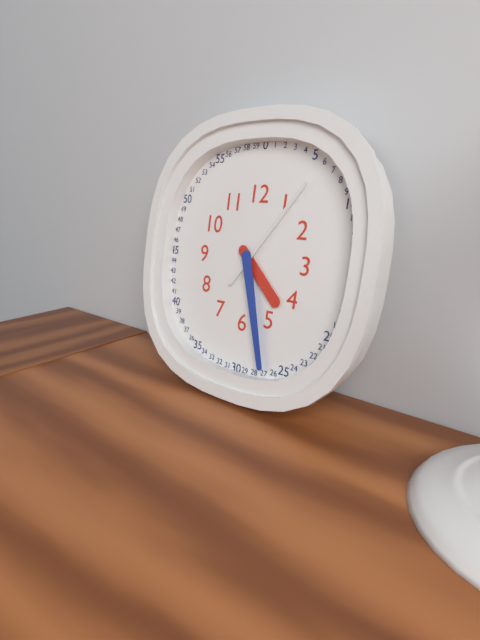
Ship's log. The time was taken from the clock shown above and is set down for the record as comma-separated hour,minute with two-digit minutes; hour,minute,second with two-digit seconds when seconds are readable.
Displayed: 4,27,06
